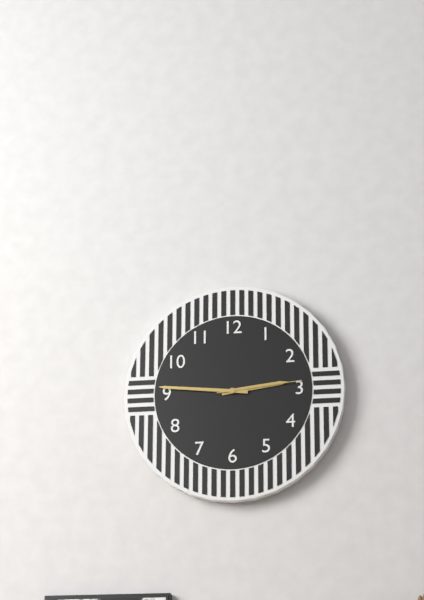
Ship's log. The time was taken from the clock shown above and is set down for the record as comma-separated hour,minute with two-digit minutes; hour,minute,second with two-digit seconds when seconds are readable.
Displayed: 2,46,14
